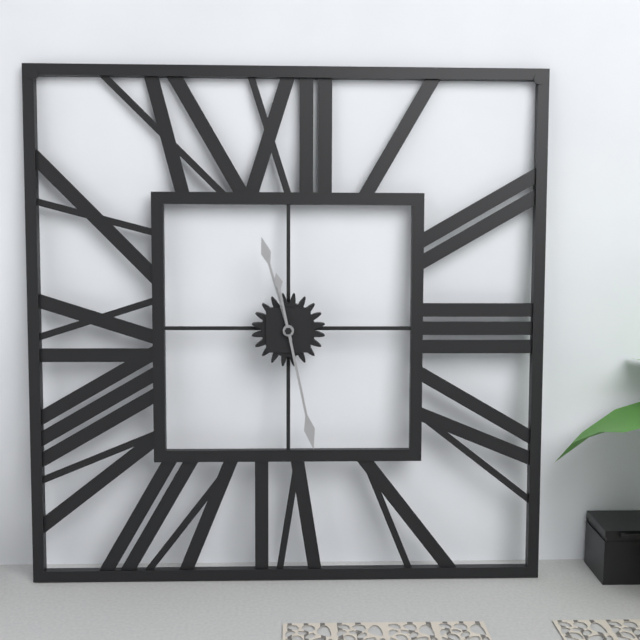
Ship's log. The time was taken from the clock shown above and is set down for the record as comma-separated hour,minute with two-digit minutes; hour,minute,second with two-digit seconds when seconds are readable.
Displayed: 11,28
